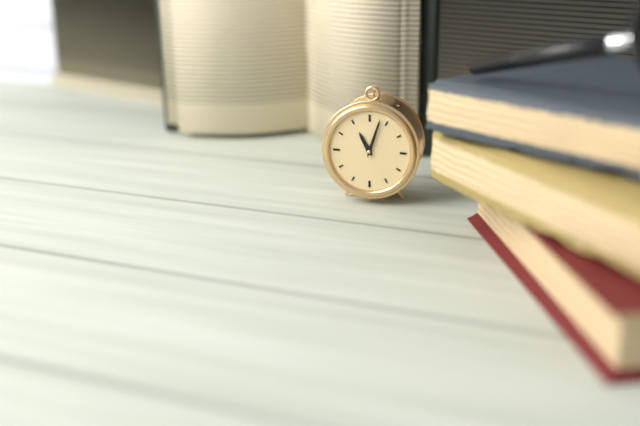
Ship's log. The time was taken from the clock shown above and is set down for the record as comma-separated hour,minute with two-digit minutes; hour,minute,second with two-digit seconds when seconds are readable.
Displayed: 11,03
